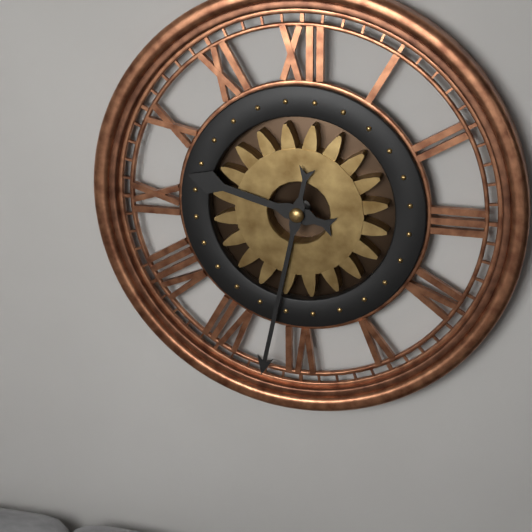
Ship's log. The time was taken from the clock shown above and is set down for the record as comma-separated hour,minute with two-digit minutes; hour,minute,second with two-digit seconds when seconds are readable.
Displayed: 9,32
